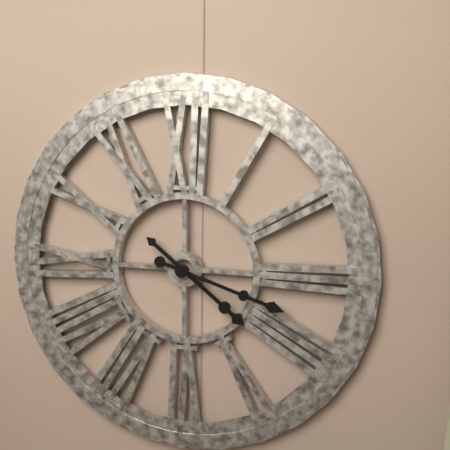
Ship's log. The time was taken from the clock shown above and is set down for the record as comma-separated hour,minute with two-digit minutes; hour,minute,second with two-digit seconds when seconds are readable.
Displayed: 4,18
